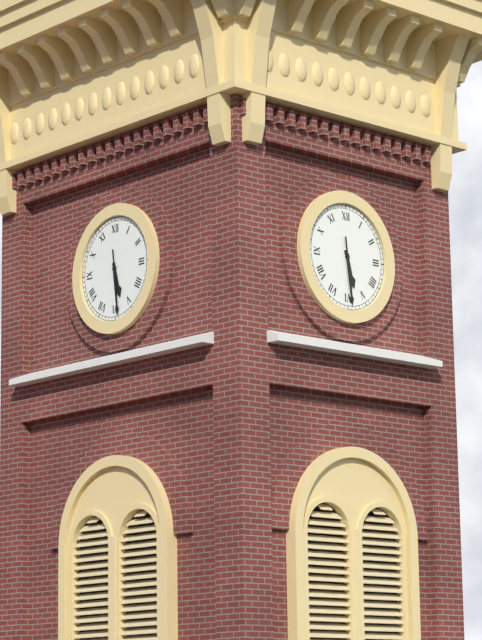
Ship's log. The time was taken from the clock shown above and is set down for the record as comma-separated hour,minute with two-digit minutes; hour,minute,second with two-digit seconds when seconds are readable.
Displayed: 5,29
